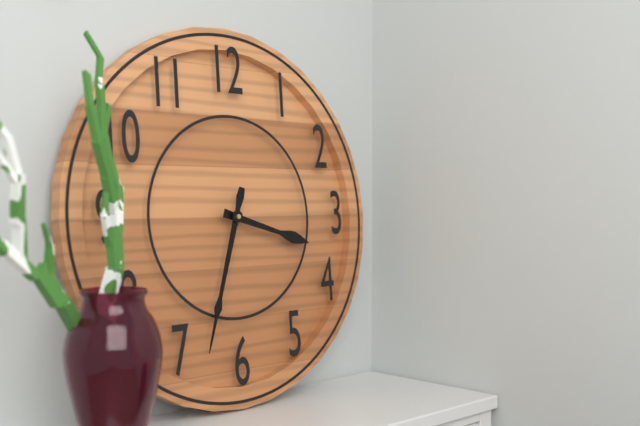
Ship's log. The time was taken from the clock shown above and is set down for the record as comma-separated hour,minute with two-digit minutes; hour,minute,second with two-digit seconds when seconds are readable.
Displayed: 3,33
